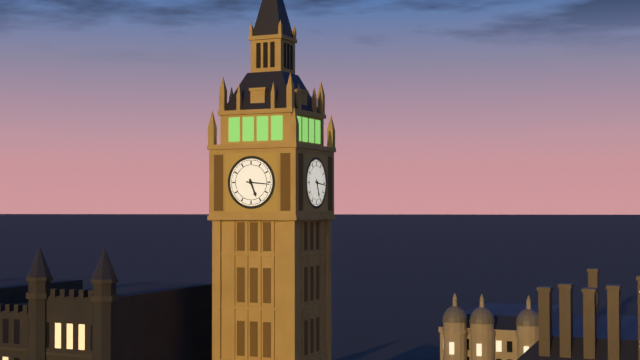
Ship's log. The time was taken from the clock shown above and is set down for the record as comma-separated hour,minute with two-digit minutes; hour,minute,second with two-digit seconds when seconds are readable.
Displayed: 5,16
